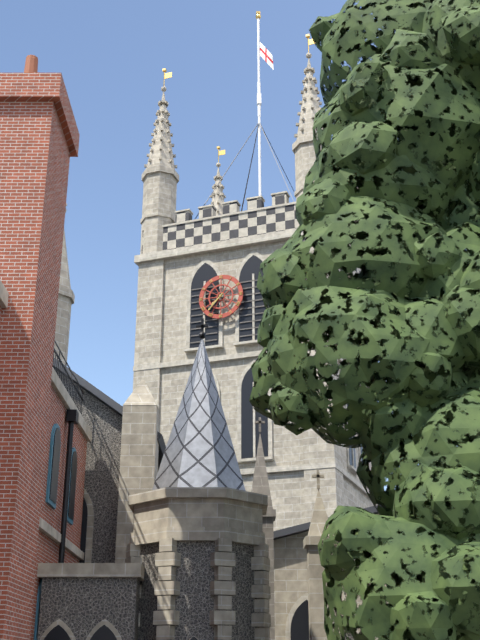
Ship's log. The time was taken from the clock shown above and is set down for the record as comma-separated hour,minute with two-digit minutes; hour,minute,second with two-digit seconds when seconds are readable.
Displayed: 7,37
